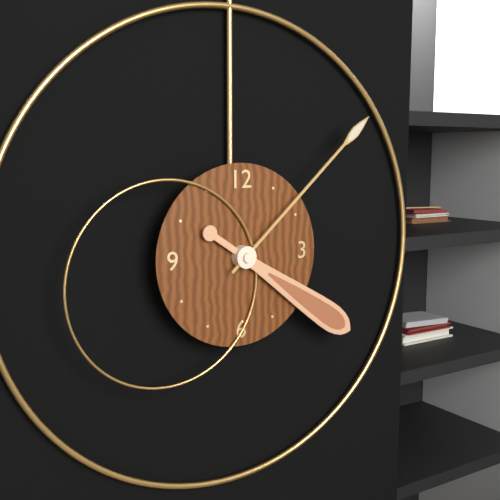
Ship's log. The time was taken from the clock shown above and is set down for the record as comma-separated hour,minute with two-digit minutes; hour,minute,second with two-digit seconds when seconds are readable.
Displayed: 4,08
